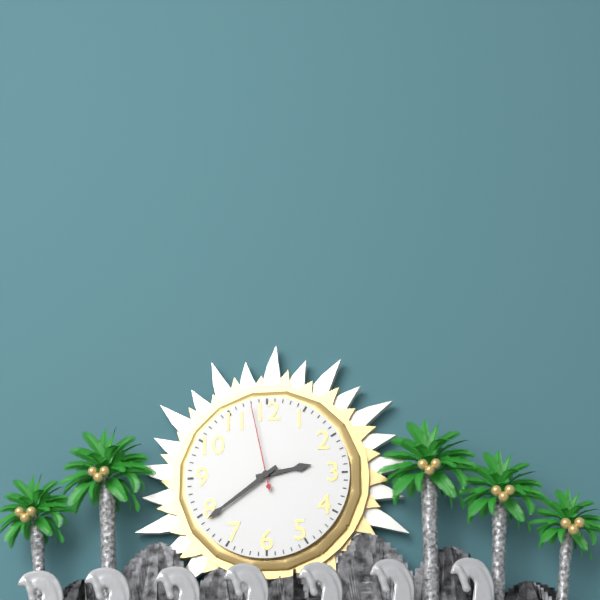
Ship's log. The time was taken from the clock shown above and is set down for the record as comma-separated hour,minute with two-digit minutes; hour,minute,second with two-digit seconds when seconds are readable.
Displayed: 2,39,58
